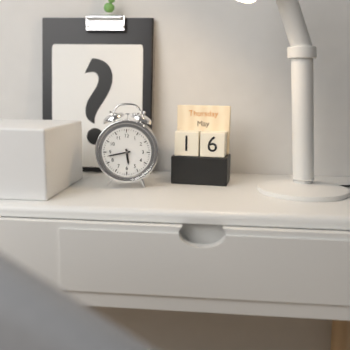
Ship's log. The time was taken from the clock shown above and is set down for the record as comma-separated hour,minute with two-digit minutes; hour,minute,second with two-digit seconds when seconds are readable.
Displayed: 5,43
